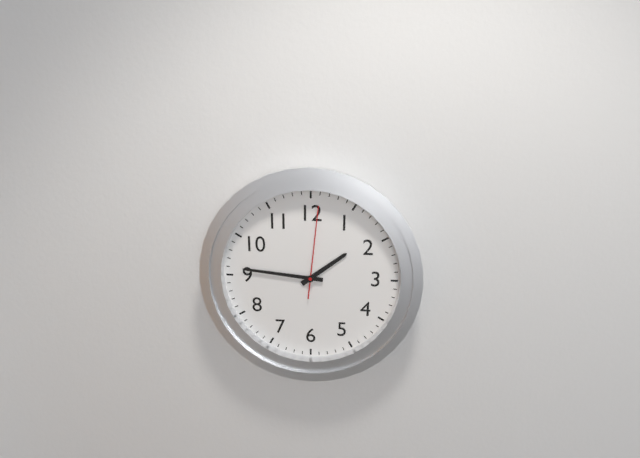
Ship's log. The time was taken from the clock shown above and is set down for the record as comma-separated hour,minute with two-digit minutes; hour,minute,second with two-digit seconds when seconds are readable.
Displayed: 1,46,01
